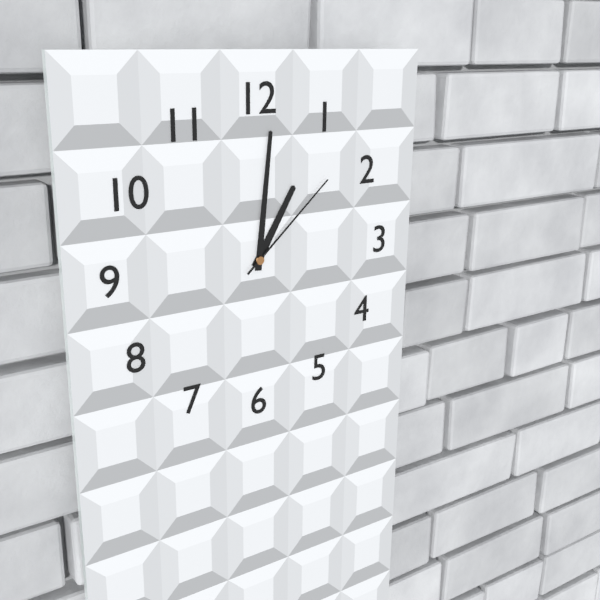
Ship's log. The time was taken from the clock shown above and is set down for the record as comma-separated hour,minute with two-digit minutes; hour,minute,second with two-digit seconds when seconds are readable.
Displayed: 1,01,08
